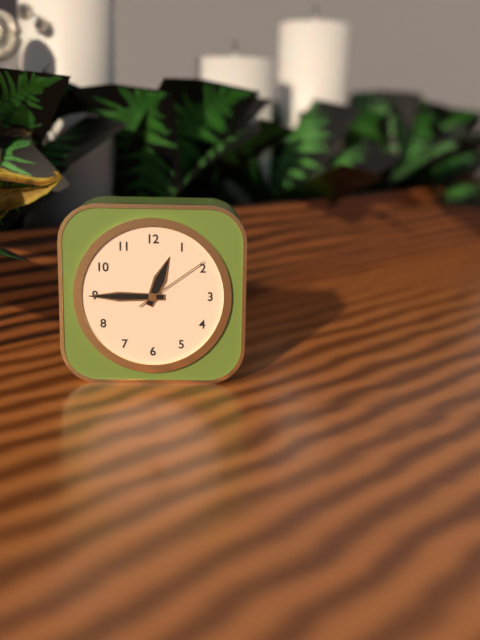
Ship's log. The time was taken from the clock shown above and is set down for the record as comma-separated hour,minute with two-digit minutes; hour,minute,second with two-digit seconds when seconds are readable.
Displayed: 12,45,09
